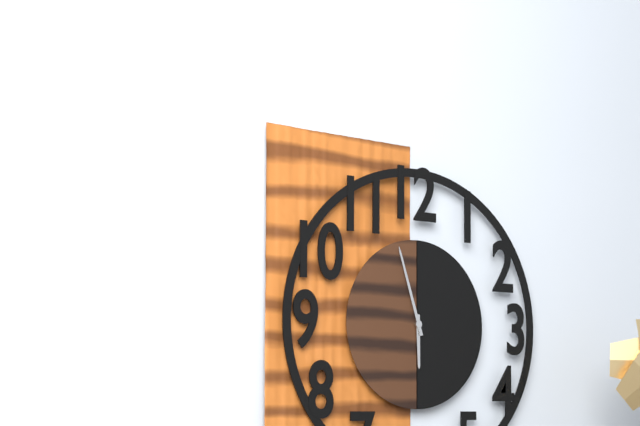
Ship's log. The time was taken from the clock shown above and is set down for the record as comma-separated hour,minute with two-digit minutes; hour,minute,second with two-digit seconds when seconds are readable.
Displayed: 5,57
